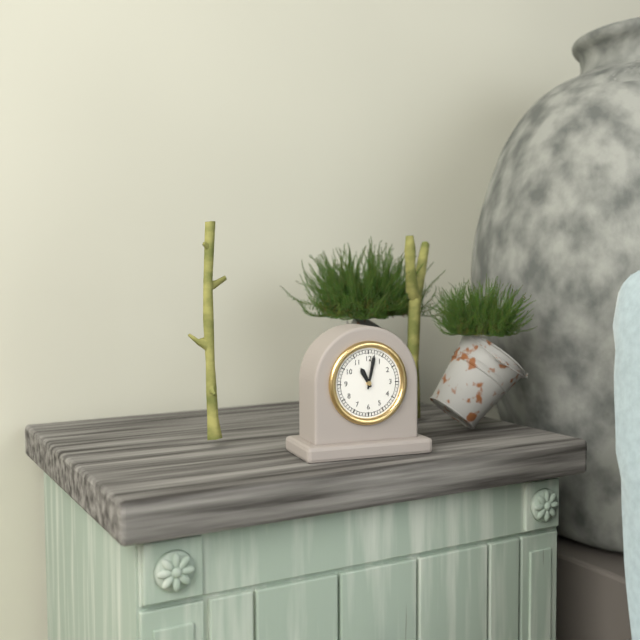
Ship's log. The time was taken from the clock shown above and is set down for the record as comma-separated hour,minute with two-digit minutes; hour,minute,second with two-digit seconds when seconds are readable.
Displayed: 11,02
